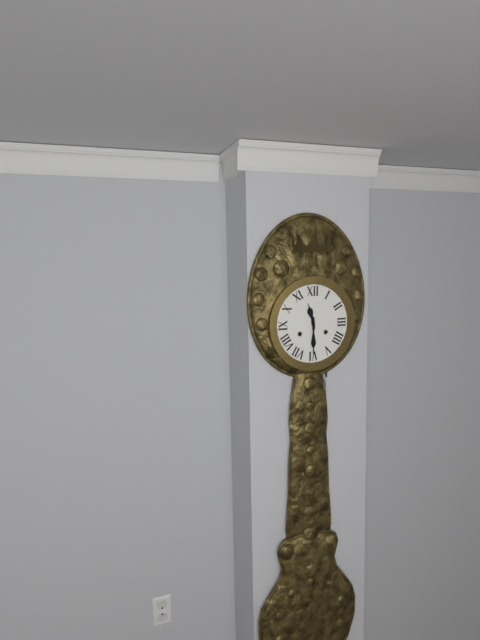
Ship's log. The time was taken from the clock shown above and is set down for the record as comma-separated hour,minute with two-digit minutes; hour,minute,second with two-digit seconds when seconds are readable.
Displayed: 11,30
